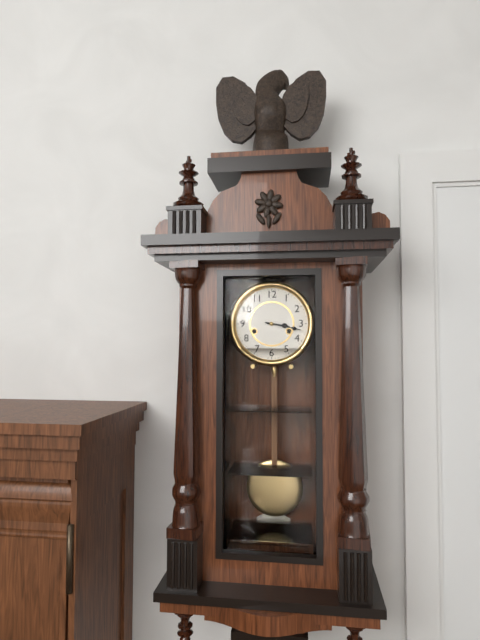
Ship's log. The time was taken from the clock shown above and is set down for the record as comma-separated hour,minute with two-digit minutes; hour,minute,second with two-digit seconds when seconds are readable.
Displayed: 3,17
